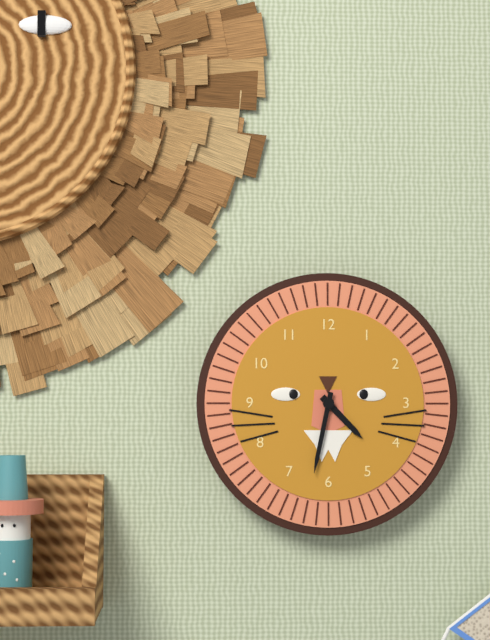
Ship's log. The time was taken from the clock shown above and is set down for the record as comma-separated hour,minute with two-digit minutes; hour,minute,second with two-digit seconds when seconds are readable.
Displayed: 4,32
